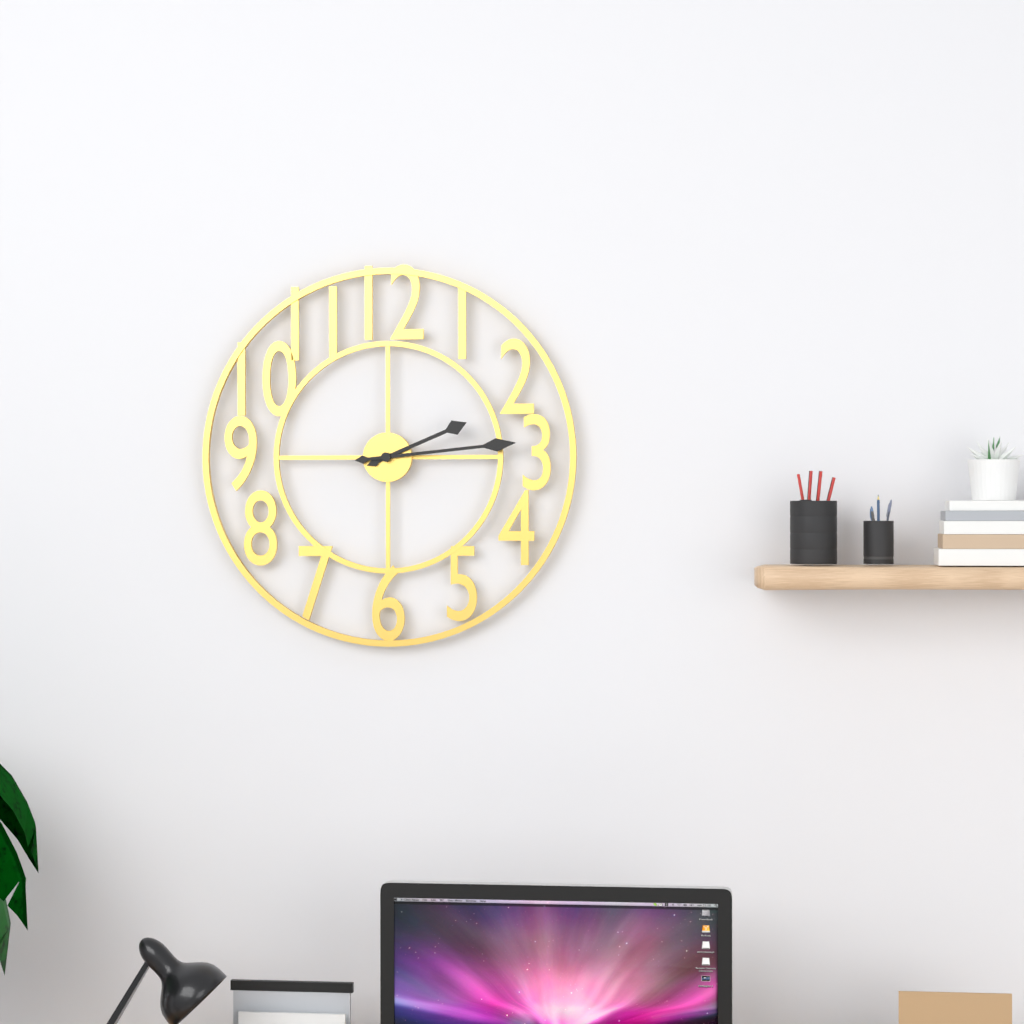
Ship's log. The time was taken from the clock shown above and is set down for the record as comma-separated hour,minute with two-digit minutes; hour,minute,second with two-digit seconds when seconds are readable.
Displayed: 2,14
